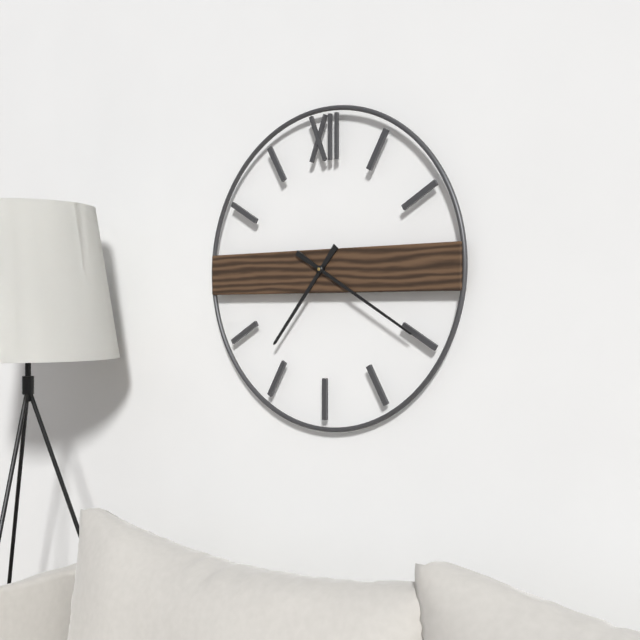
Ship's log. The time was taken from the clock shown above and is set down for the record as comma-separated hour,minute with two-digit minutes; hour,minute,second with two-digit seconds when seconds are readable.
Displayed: 7,20
